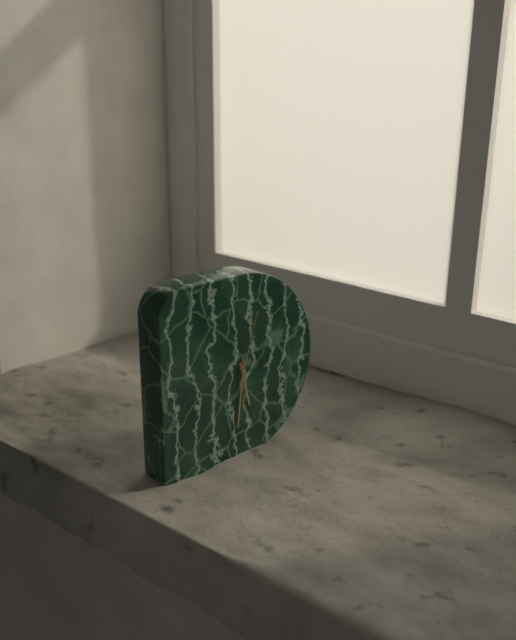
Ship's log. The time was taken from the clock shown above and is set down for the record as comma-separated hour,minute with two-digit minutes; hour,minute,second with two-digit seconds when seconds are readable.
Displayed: 5,31,03
